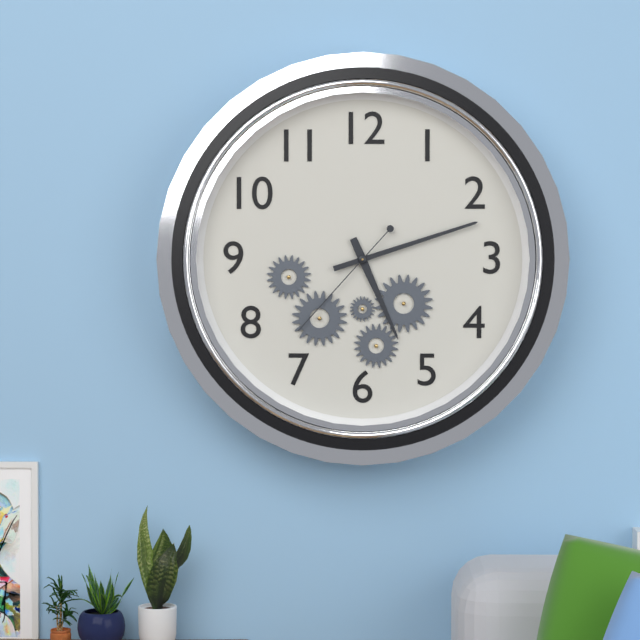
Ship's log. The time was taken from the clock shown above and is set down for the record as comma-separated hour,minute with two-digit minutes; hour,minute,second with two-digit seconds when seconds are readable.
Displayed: 5,12,37
